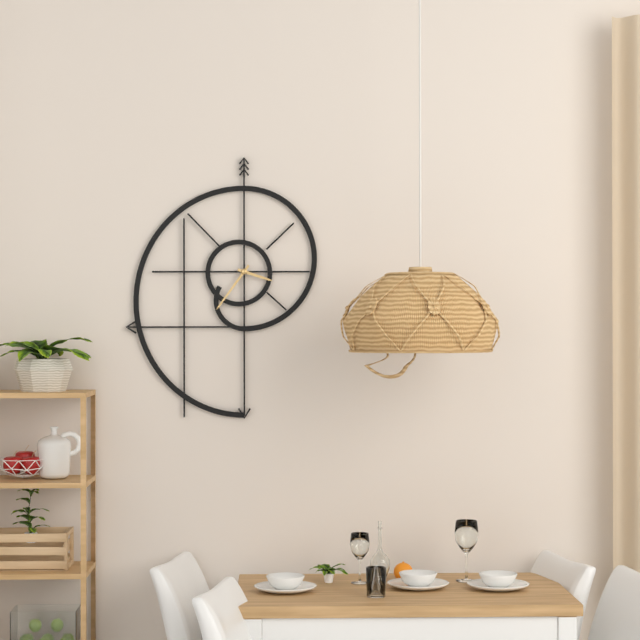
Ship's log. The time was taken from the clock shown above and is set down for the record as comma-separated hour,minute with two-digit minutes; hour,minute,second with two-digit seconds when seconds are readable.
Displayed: 3,36
